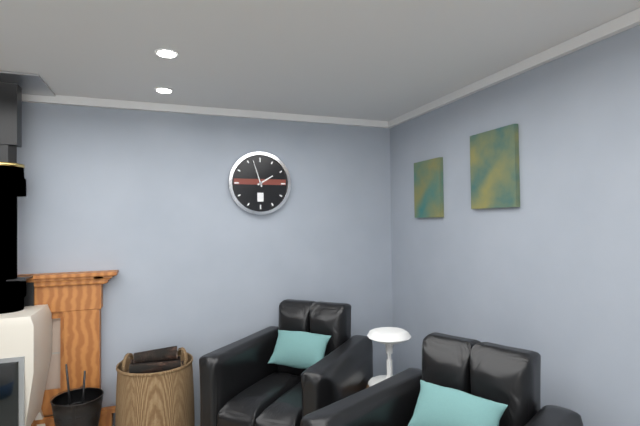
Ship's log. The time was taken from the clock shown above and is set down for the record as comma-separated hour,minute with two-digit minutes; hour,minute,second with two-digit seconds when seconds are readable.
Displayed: 1,57
